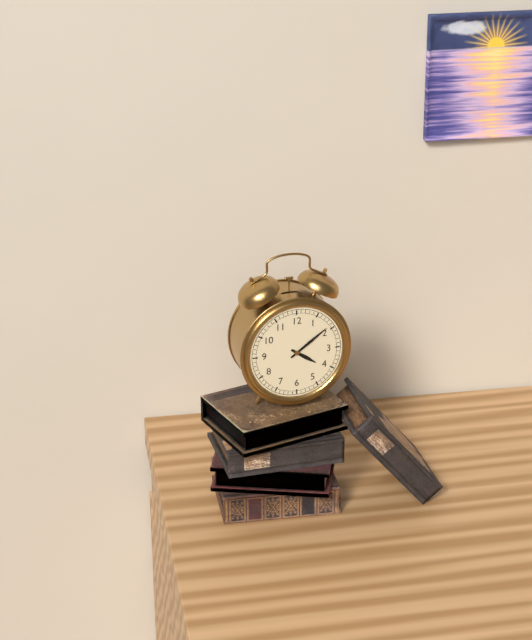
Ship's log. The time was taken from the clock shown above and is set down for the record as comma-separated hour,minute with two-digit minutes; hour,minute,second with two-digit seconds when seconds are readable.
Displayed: 4,09
